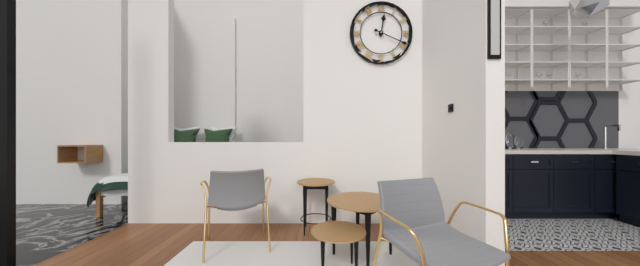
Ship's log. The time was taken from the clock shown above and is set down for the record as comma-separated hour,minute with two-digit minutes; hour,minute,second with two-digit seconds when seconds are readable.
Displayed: 12,19
